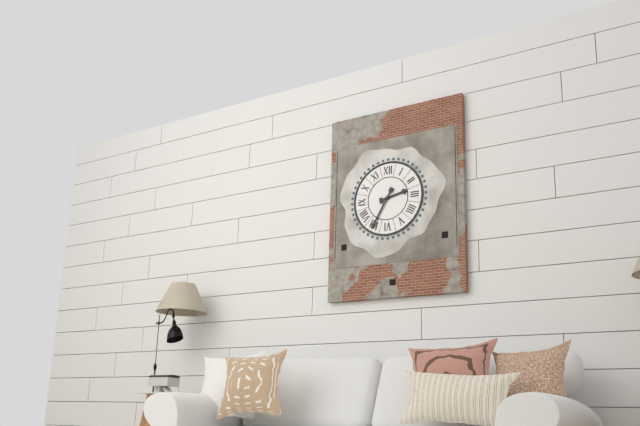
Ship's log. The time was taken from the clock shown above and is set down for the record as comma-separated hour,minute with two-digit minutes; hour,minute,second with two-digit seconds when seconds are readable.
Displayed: 2,35
